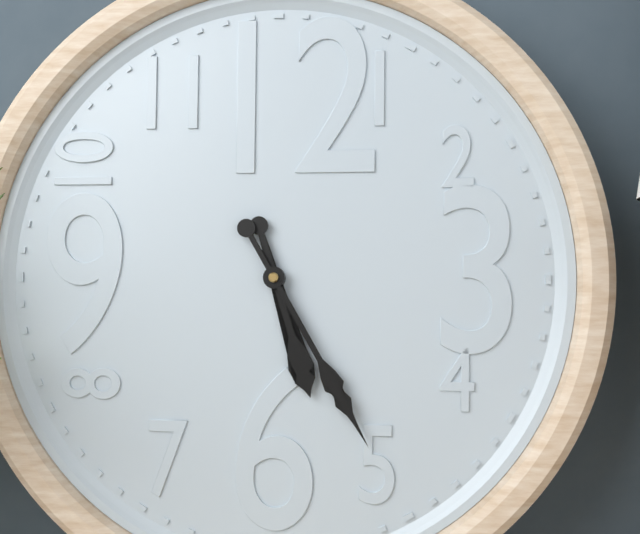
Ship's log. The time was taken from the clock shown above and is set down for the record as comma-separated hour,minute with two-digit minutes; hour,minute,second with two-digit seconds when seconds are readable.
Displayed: 5,25
